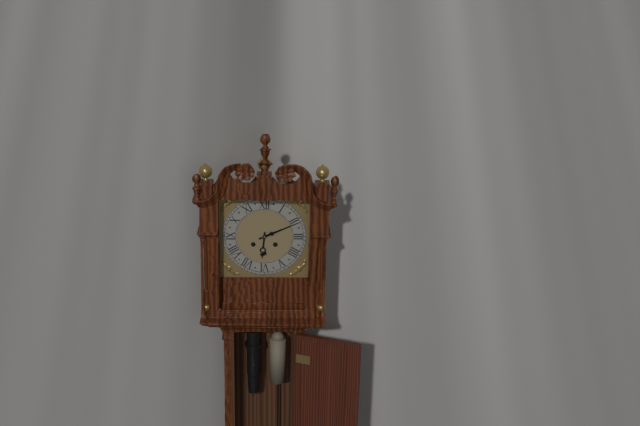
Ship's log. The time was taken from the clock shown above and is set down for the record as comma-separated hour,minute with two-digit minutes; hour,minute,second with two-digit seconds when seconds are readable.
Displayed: 6,11
